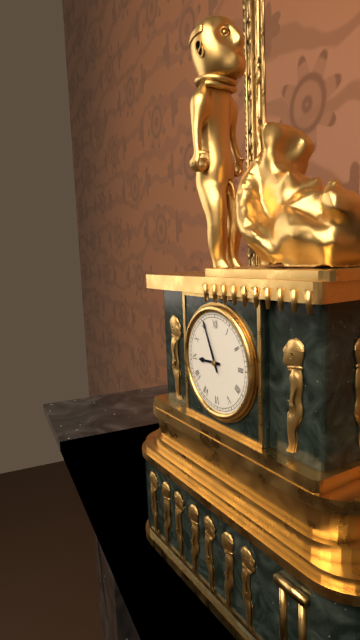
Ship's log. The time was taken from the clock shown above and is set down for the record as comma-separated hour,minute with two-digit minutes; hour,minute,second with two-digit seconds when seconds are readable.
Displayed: 8,56
